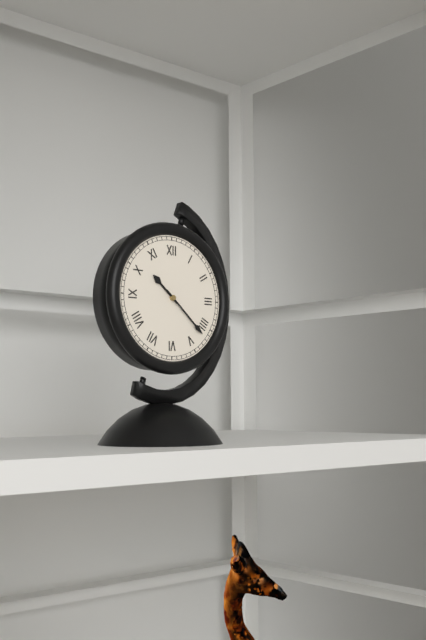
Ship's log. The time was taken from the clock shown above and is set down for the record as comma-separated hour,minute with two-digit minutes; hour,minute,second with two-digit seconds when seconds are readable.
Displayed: 10,22
